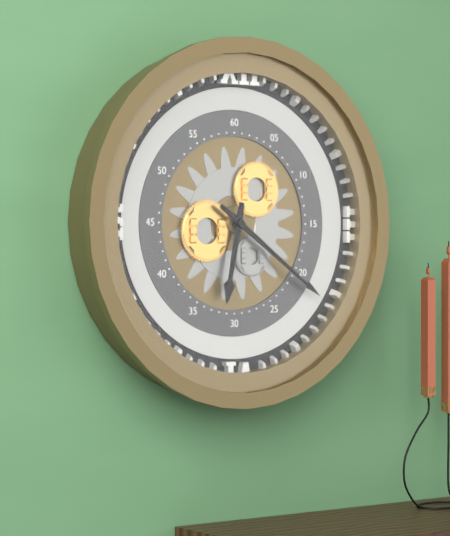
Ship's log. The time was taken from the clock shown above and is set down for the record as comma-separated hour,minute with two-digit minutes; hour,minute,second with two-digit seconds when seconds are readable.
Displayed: 6,21
